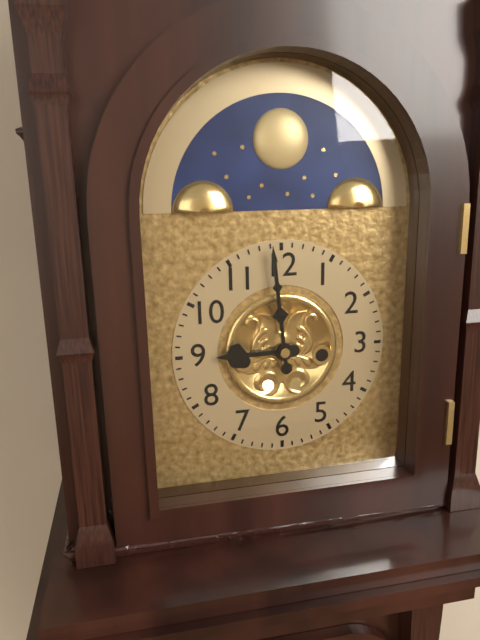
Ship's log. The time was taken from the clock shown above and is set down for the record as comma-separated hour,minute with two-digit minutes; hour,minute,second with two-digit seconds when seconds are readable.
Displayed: 8,59
